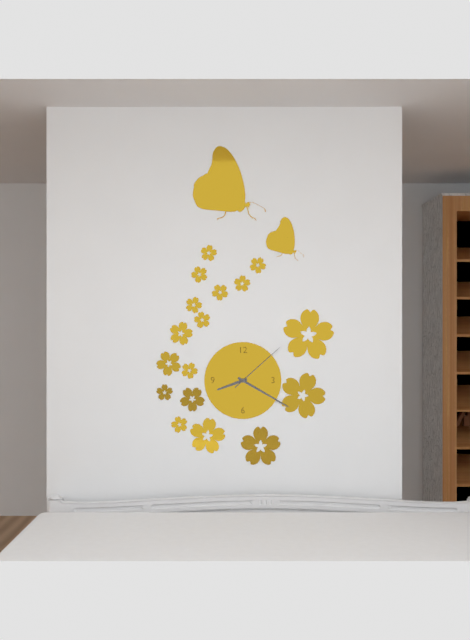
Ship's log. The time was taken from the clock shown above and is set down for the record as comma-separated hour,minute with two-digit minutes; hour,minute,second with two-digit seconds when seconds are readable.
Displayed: 8,20,08
